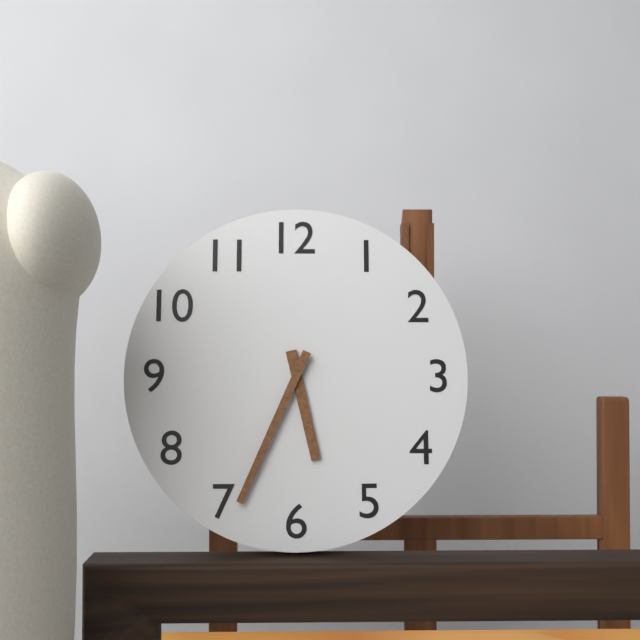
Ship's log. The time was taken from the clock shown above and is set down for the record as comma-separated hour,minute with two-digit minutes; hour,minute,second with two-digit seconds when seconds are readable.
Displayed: 5,34
